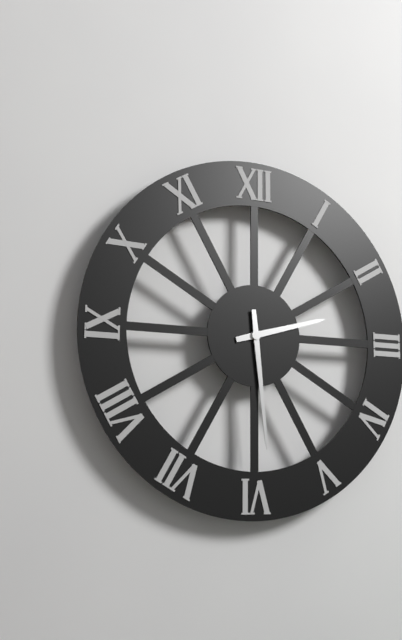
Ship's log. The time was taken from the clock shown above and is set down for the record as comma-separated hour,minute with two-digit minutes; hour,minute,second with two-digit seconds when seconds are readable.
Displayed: 2,29
